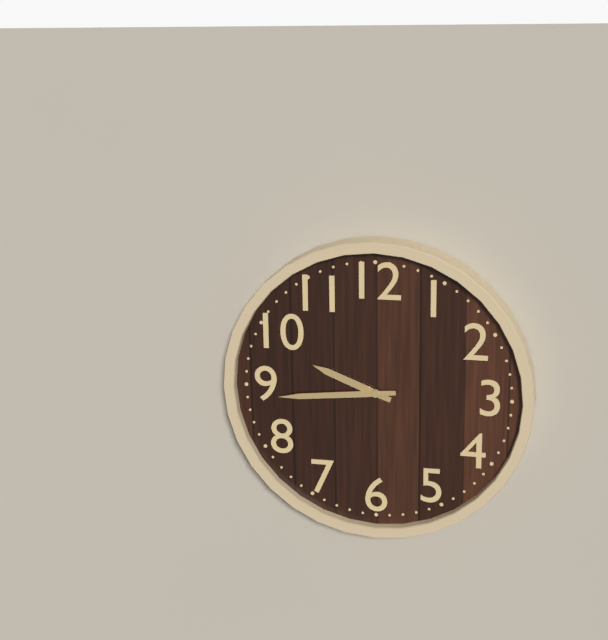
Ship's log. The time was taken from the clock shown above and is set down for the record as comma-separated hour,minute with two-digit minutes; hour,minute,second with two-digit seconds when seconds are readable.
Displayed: 9,44
